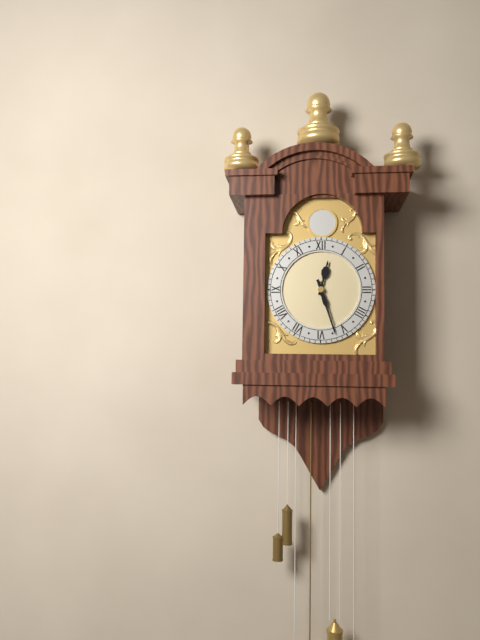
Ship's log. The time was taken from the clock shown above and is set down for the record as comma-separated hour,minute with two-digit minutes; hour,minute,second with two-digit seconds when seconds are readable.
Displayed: 12,27
